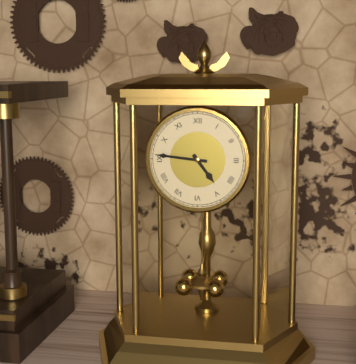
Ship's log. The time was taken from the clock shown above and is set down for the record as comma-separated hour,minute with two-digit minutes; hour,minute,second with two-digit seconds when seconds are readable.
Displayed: 4,46
